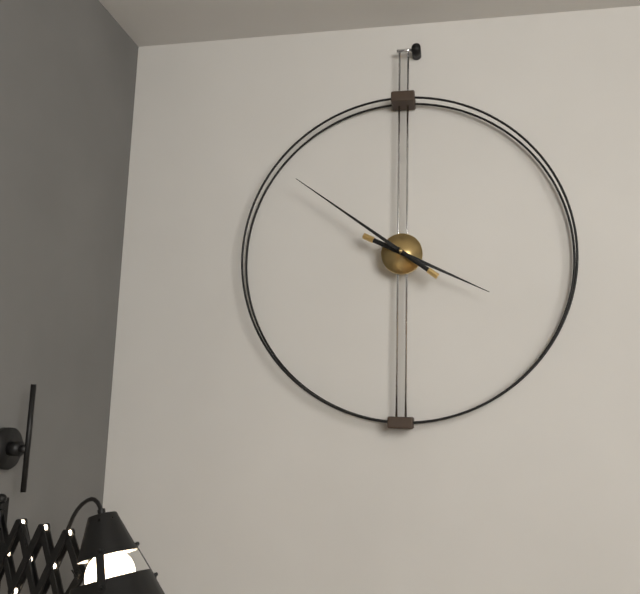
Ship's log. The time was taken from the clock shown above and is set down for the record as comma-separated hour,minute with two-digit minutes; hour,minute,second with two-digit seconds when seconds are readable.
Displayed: 3,51
